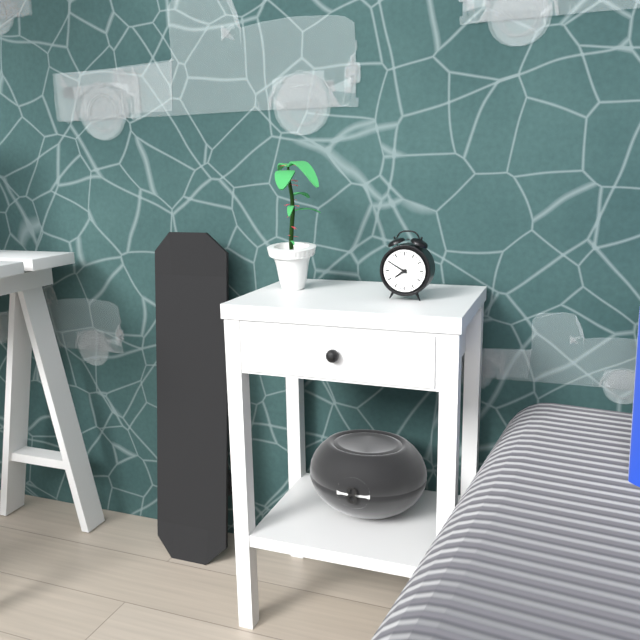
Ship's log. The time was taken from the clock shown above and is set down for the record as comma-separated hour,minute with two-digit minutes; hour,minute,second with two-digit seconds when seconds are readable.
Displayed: 7,50
